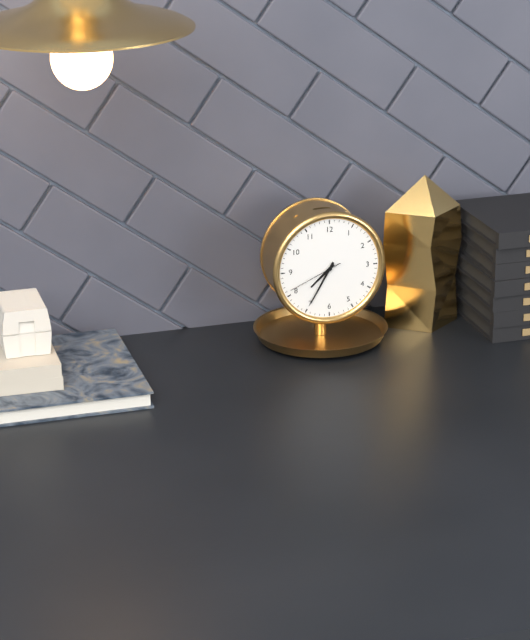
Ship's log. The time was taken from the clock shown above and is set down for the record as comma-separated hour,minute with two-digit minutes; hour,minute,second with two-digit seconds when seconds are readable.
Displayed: 7,35,41
